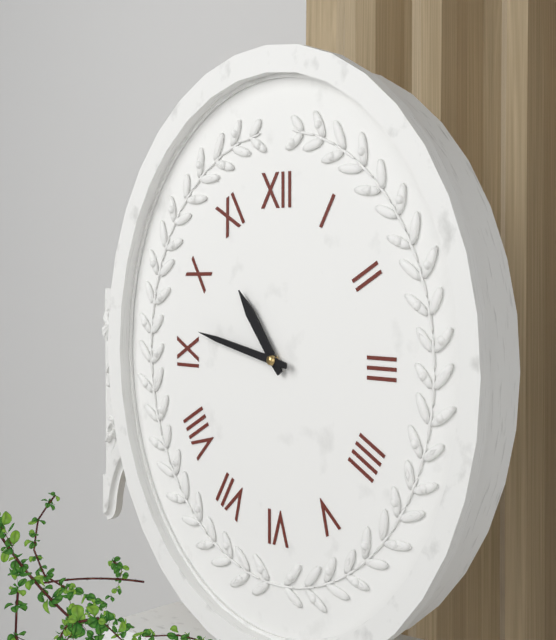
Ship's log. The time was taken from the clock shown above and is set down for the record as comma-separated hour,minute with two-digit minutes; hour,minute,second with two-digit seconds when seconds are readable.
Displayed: 10,47
